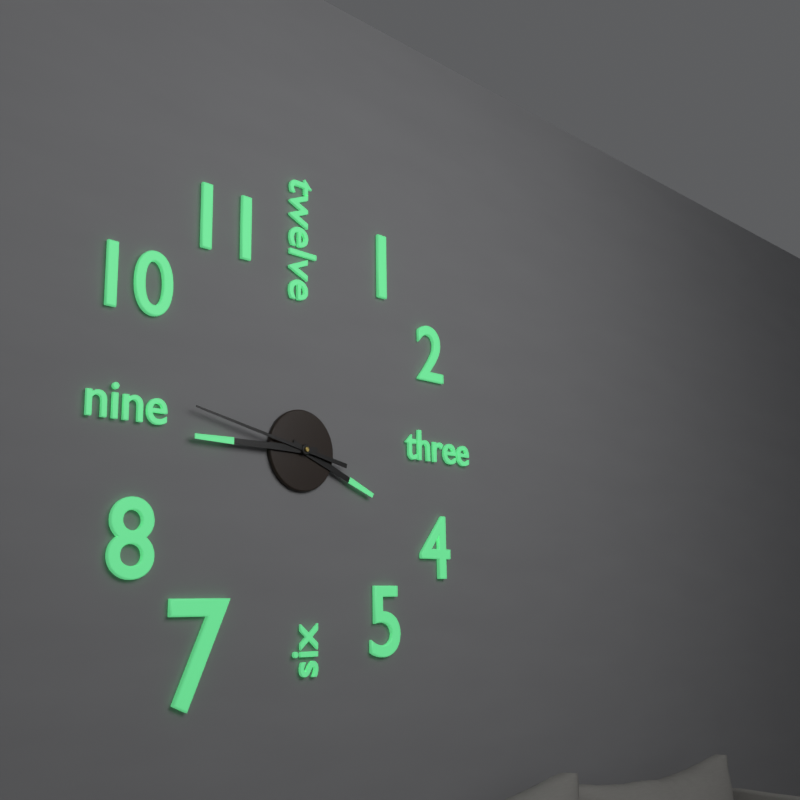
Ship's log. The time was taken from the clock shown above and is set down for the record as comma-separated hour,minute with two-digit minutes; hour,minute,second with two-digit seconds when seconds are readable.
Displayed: 3,45,47
